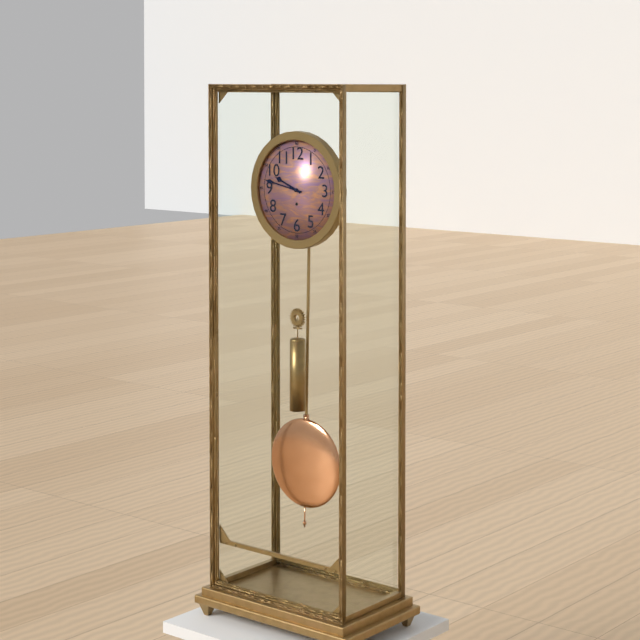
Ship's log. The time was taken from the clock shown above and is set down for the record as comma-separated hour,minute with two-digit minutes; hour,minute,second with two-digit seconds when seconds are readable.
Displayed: 9,47
